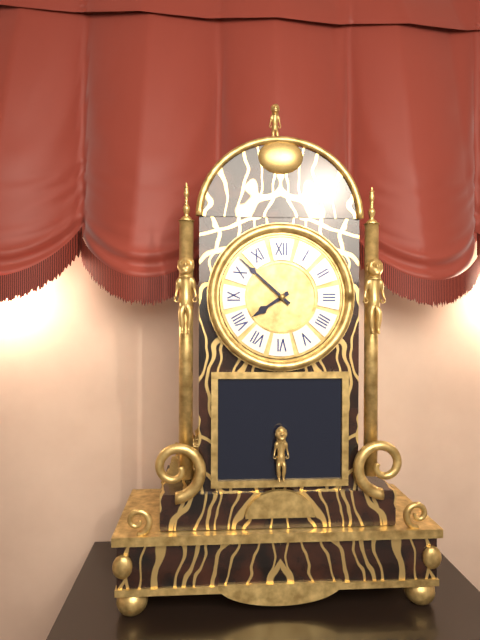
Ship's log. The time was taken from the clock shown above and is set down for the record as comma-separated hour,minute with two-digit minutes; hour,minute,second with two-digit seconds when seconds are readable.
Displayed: 7,52
